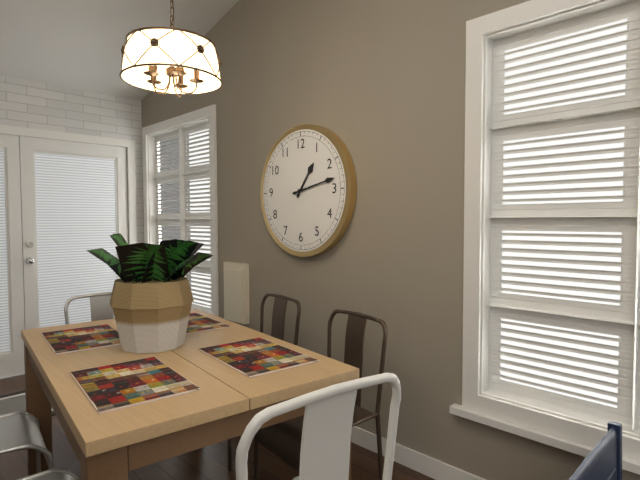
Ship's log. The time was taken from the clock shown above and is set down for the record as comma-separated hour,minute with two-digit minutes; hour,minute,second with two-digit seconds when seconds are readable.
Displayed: 1,13
